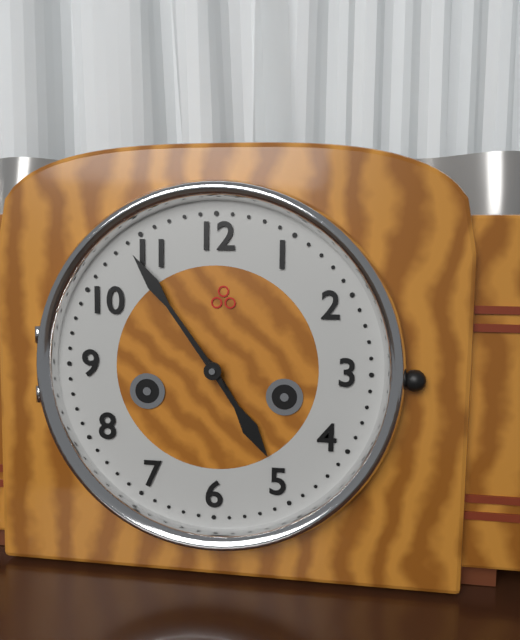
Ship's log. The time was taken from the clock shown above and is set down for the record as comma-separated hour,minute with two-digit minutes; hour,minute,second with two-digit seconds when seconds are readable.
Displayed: 4,54
